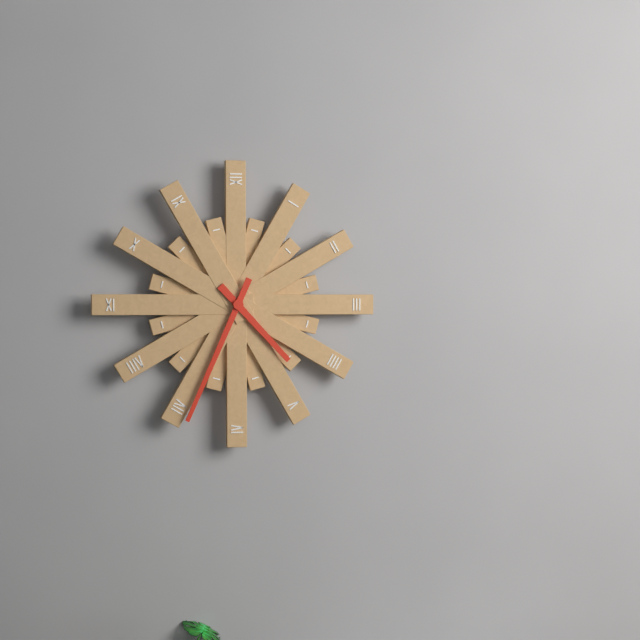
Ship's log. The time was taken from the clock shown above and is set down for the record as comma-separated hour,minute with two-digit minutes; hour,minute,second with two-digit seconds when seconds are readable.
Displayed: 4,34
